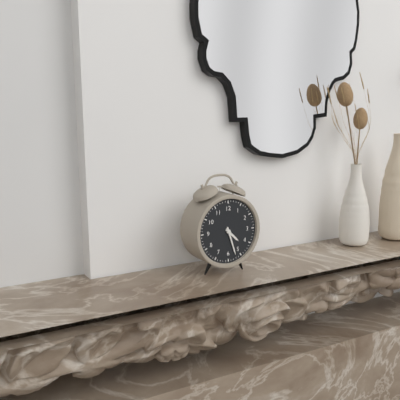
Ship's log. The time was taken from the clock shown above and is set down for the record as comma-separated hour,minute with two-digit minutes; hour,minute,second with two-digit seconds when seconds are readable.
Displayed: 4,27
